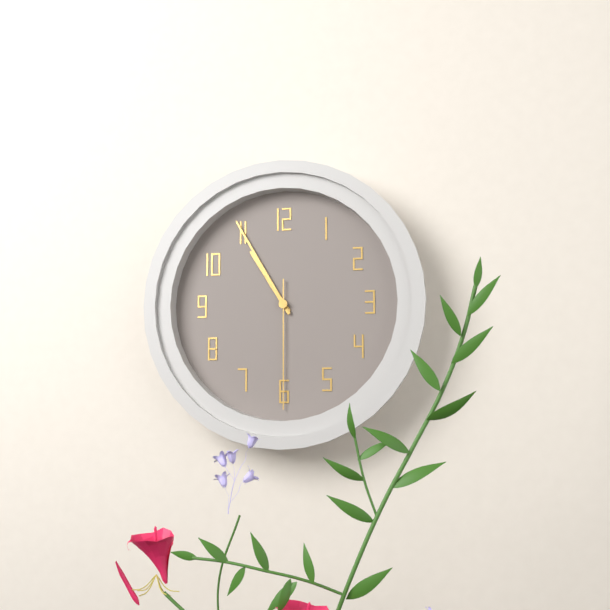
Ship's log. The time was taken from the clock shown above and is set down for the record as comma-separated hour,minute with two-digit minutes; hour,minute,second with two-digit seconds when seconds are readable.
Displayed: 10,55,30
